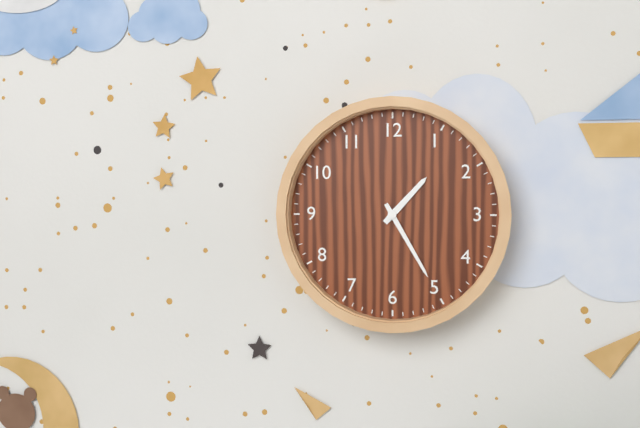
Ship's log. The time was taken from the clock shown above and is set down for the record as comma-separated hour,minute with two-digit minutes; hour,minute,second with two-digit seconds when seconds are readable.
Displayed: 1,25
